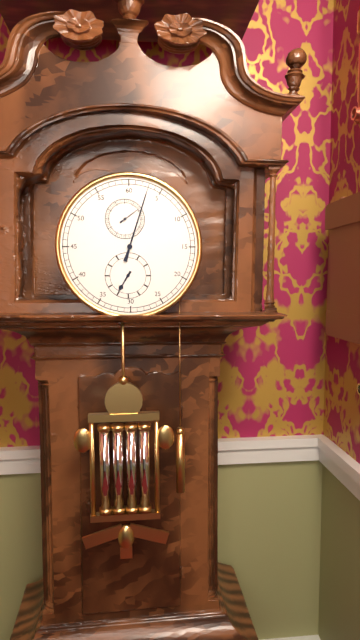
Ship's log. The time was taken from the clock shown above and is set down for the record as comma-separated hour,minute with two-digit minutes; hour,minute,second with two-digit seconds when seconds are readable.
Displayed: 7,03
